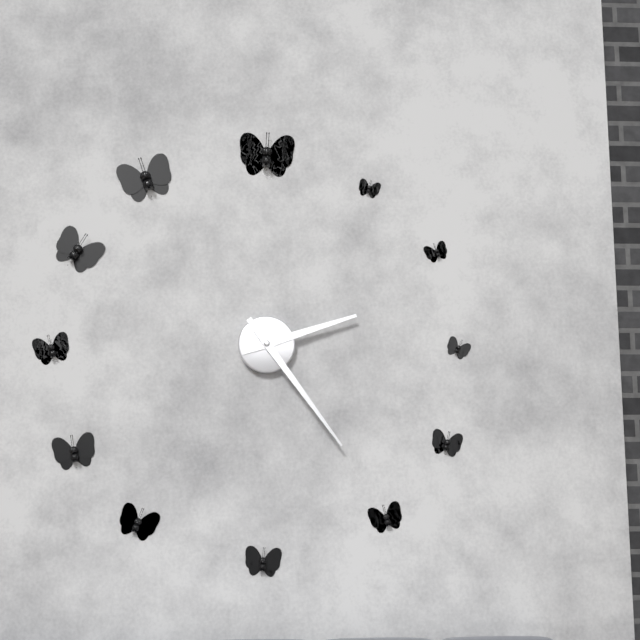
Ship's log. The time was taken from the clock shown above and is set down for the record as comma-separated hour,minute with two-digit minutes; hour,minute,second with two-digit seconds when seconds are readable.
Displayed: 2,24
